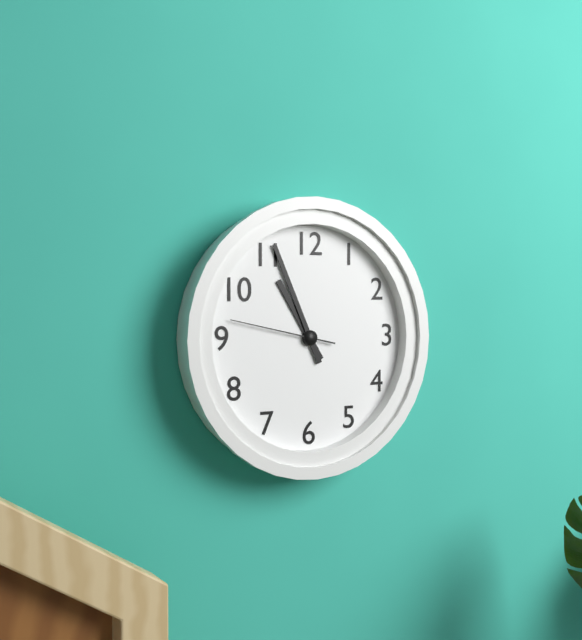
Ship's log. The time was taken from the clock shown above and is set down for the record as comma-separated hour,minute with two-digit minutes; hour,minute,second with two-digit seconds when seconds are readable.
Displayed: 10,56,47
